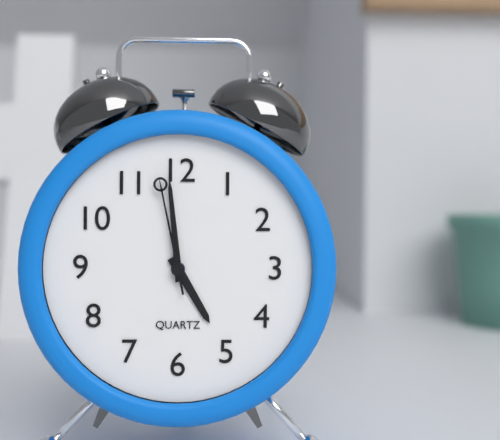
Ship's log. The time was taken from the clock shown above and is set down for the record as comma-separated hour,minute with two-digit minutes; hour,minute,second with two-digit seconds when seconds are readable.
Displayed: 4,59,58
